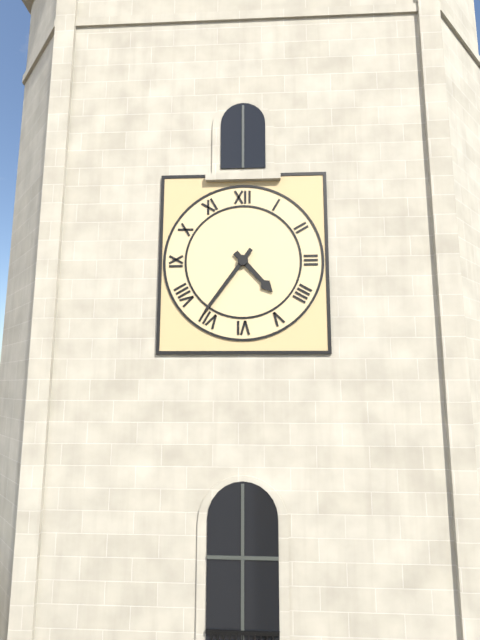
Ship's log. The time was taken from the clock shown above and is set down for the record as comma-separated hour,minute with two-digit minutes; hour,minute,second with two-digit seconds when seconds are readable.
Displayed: 4,36
